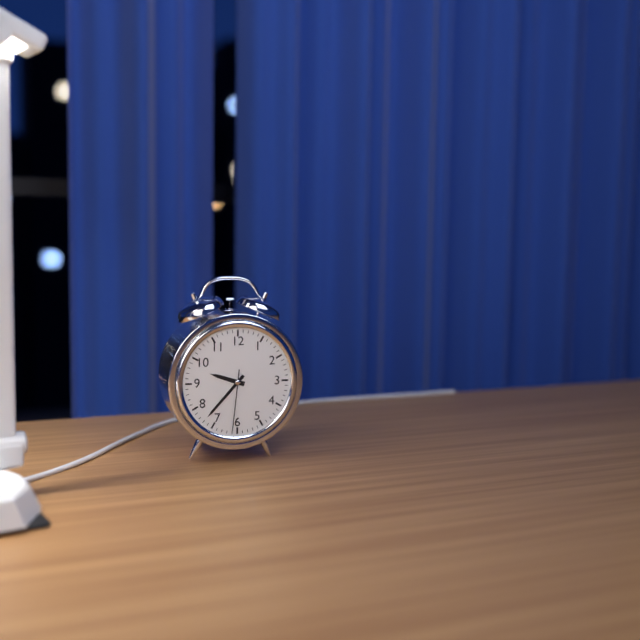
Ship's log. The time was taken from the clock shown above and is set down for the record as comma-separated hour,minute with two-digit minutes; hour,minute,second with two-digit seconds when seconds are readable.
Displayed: 9,37,31
